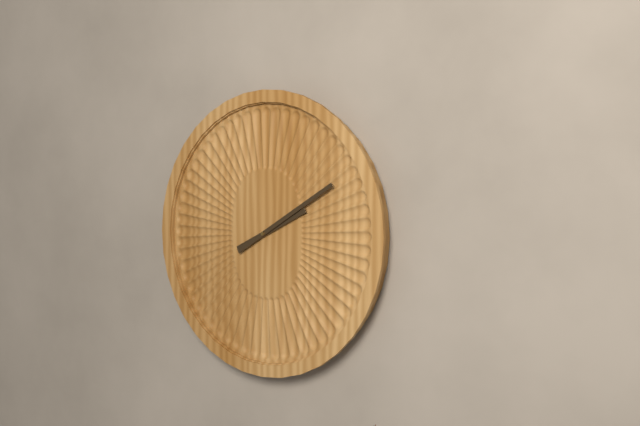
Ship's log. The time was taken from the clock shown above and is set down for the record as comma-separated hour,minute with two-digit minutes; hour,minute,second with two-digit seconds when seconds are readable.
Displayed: 2,10
